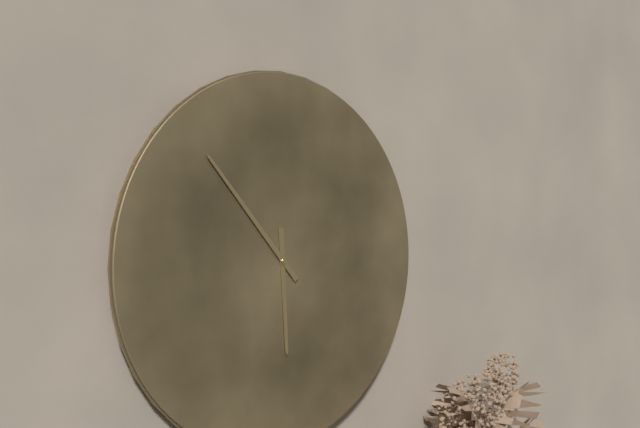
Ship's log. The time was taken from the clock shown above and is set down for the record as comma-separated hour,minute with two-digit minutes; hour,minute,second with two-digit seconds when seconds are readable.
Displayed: 5,53
